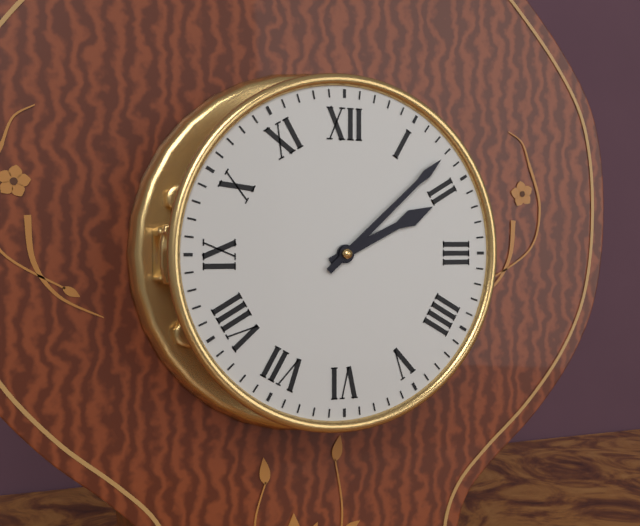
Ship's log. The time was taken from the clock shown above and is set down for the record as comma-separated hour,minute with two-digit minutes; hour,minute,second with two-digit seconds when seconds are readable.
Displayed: 2,08
